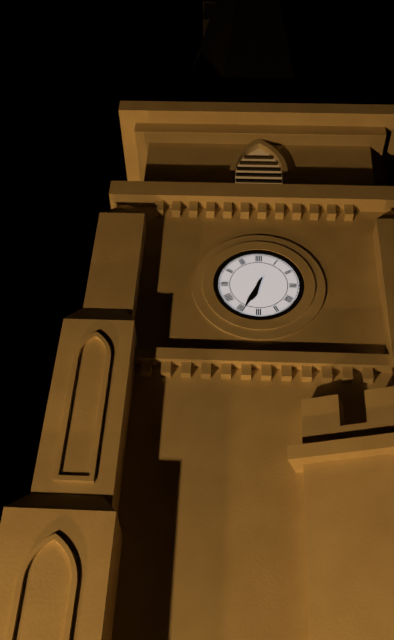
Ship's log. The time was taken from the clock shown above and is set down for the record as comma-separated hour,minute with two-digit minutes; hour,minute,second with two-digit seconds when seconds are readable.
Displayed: 6,34
